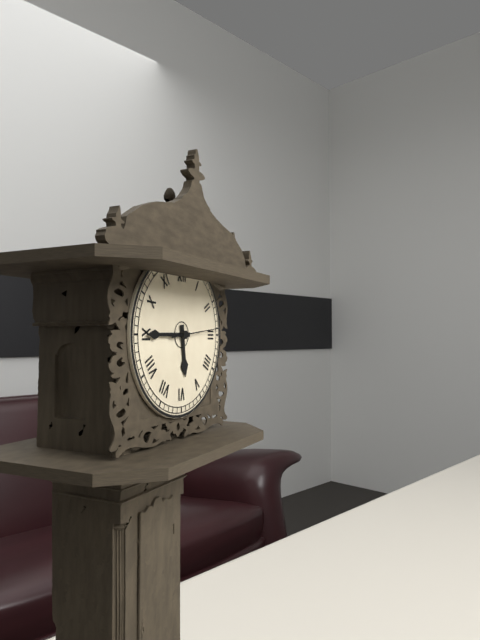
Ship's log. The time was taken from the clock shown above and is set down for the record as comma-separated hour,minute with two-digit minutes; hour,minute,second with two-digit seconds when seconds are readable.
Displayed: 5,45
